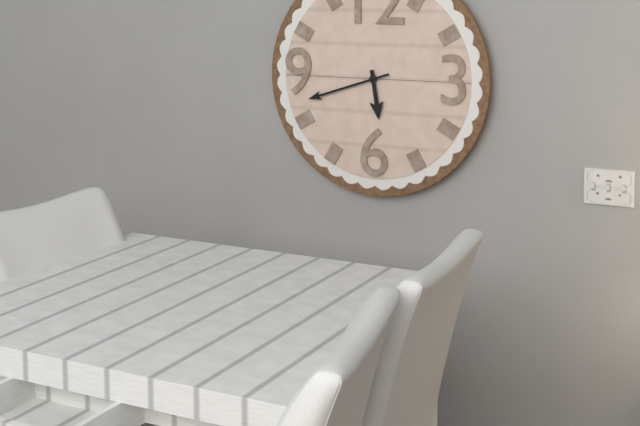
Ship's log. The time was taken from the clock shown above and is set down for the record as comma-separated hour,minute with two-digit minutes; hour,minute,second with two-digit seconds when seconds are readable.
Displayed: 5,42
